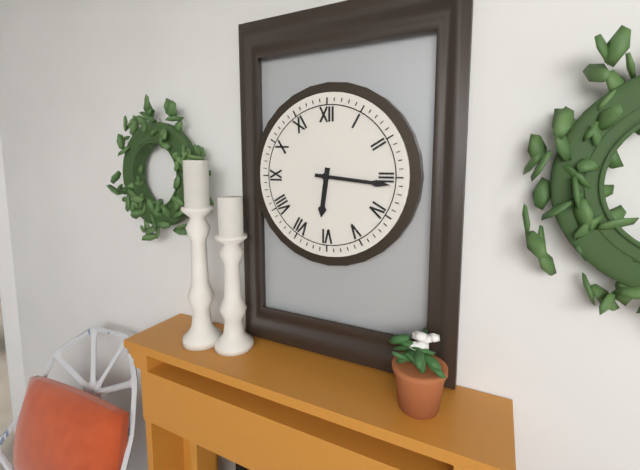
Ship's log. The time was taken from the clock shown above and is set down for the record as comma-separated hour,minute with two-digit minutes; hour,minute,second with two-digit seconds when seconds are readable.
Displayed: 6,16
